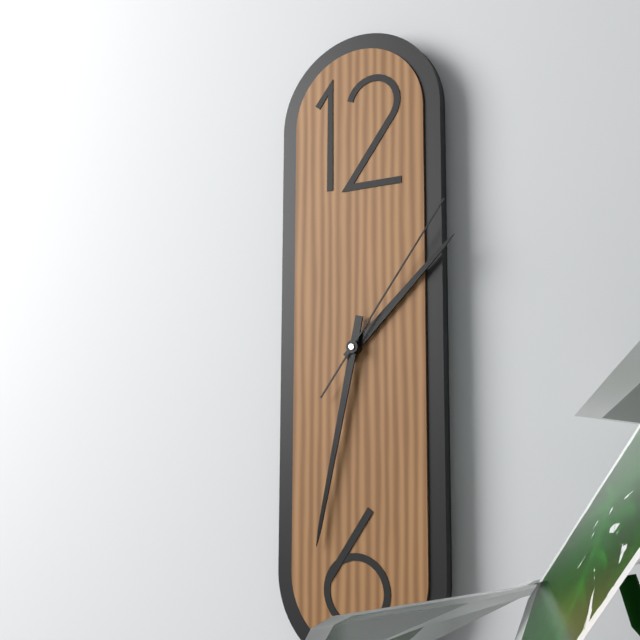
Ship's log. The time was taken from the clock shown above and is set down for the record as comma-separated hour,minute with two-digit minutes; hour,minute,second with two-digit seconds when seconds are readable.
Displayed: 1,32,06
